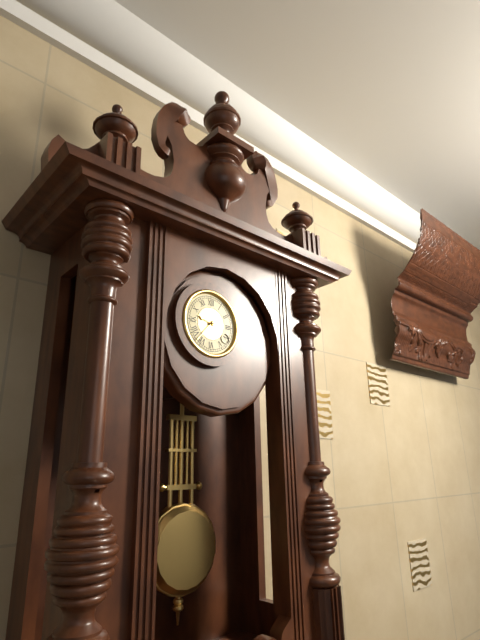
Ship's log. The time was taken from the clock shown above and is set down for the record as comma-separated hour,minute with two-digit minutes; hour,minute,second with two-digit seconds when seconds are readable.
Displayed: 9,37
